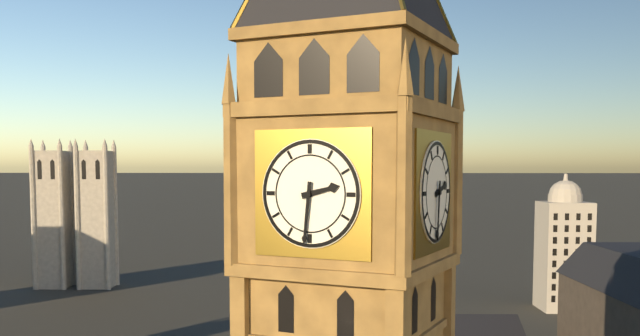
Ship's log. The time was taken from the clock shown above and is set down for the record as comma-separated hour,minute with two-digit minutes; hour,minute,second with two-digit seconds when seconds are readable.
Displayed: 2,31
